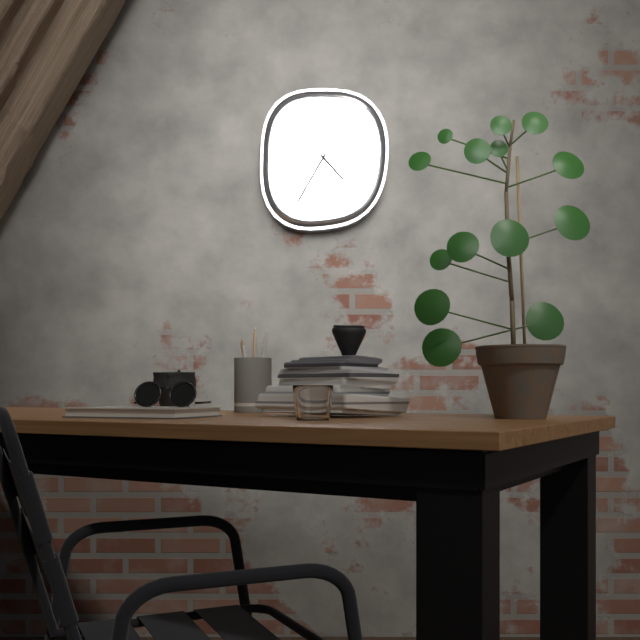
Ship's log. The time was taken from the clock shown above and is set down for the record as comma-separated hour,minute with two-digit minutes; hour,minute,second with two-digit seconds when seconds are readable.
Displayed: 4,35
